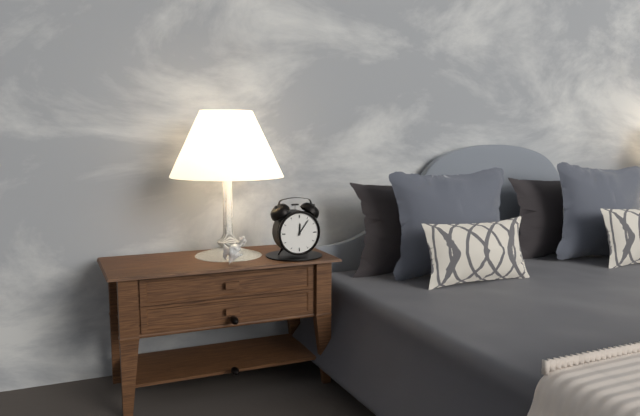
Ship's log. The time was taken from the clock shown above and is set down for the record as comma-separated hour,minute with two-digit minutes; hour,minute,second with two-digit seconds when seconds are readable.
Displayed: 12,06
